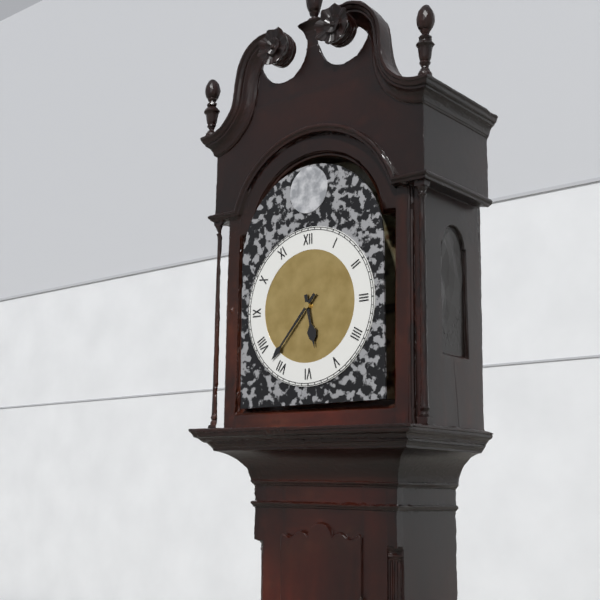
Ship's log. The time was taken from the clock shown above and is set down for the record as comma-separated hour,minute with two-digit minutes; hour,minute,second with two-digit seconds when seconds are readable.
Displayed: 5,37
